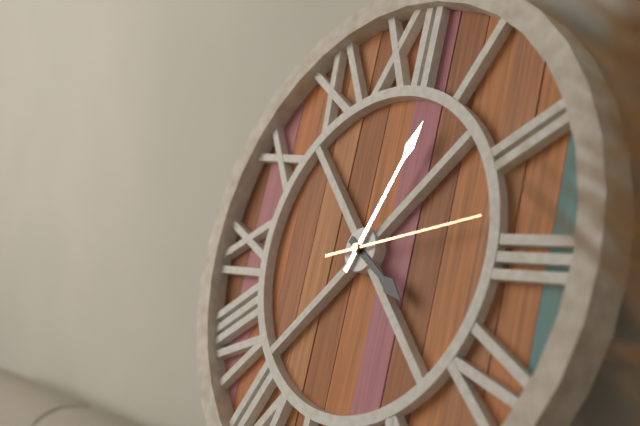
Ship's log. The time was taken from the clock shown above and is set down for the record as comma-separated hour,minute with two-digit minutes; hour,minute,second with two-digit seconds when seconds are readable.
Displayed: 4,04,13
